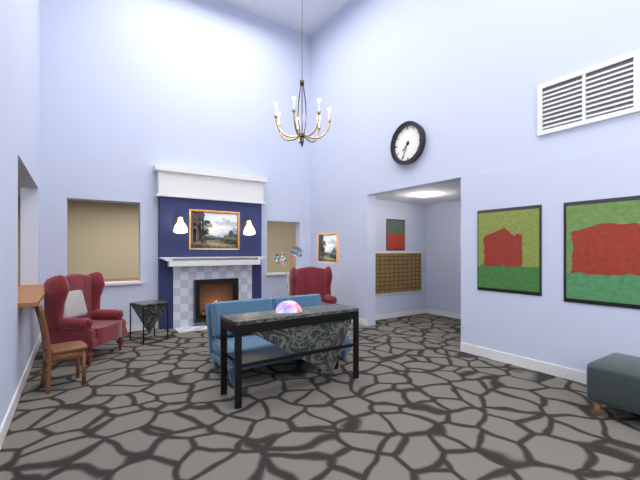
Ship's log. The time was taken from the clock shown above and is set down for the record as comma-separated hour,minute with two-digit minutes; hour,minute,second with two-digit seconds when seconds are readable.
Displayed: 7,34
